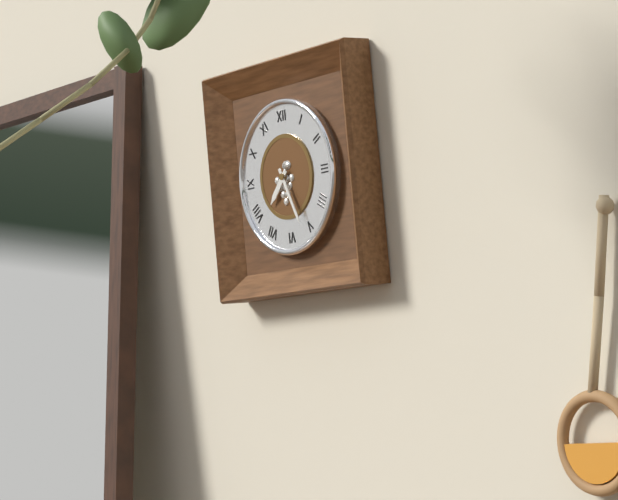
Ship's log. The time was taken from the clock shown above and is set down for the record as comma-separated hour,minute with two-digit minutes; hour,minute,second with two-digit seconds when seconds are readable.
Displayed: 7,26
